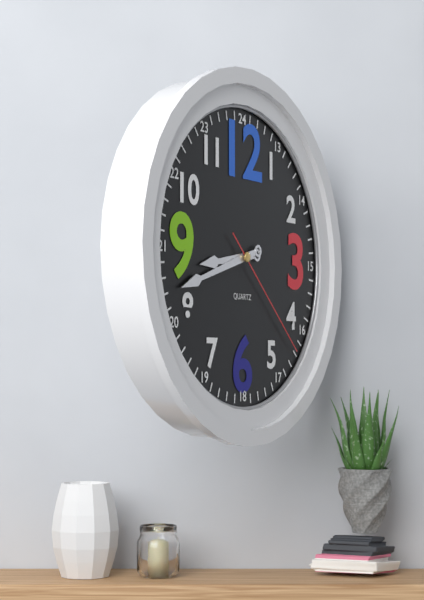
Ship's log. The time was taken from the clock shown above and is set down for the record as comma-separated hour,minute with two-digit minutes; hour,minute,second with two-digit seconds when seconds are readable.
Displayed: 8,42,22
